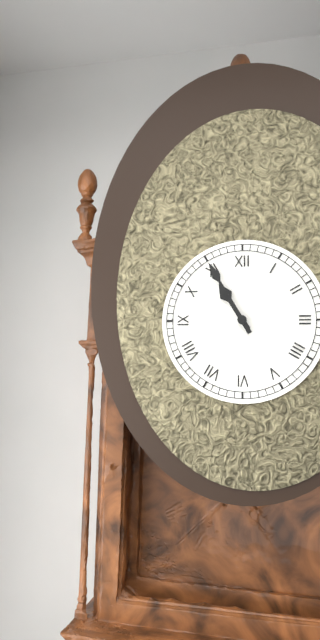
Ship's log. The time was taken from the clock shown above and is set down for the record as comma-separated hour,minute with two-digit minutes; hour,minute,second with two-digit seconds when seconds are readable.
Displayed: 10,55
